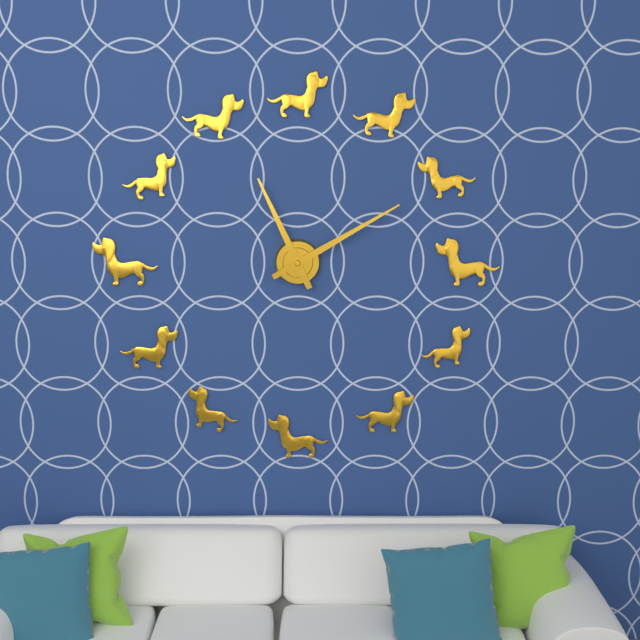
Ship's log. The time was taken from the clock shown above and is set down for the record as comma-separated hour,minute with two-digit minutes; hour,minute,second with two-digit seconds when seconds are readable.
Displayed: 11,10
